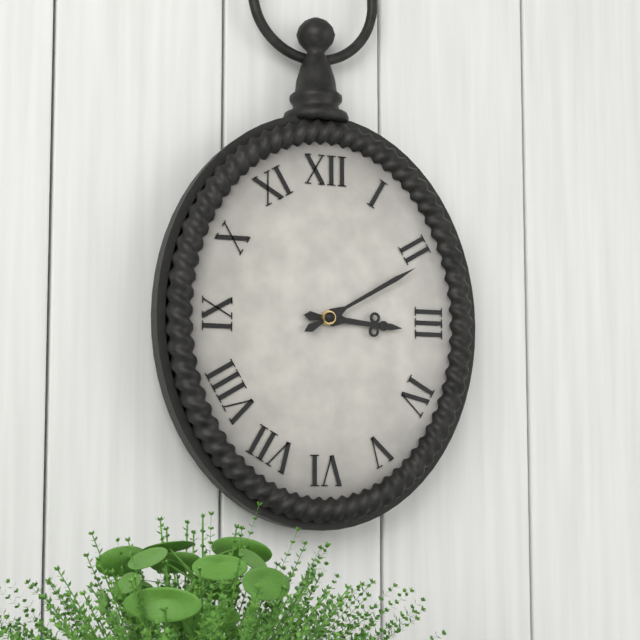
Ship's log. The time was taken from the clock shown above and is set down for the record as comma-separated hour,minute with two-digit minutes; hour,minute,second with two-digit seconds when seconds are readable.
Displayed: 3,10
